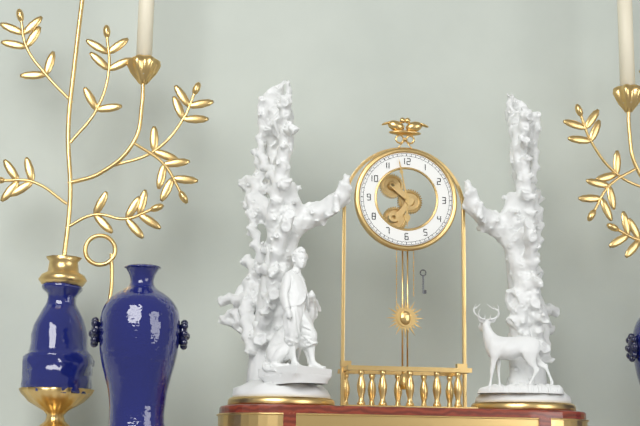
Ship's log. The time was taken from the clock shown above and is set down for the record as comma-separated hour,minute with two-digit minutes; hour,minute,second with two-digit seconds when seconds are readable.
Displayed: 5,58
